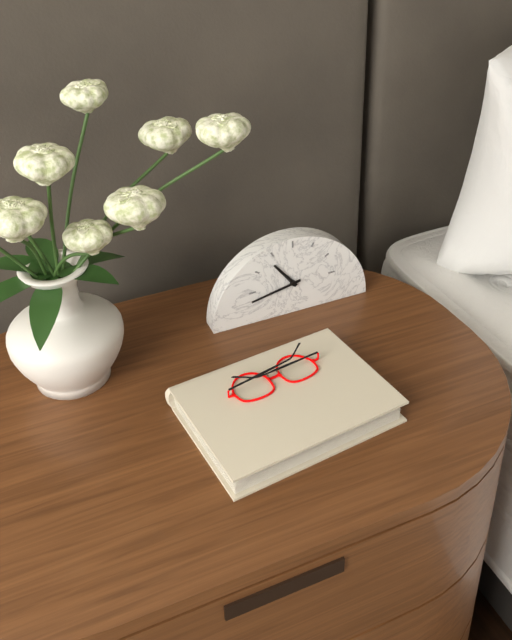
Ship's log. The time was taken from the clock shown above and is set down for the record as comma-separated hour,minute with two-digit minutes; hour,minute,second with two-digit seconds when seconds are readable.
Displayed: 10,43
